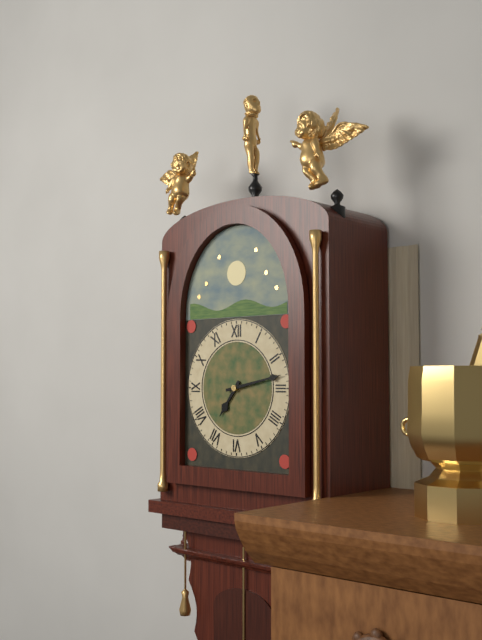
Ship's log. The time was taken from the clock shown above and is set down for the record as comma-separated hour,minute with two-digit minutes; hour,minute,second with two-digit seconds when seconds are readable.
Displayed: 7,13
